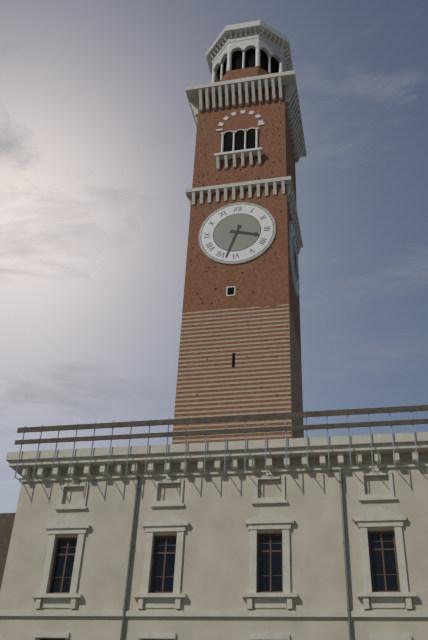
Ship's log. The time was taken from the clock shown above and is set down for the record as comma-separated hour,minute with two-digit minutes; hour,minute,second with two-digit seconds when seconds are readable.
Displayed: 3,33
